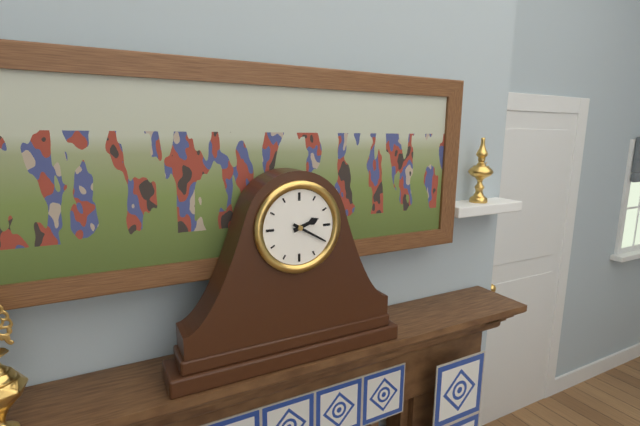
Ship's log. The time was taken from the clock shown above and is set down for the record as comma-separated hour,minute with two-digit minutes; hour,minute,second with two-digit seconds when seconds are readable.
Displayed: 2,20
